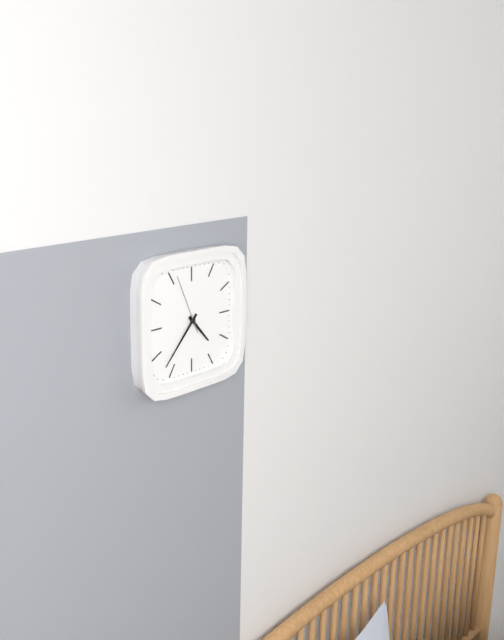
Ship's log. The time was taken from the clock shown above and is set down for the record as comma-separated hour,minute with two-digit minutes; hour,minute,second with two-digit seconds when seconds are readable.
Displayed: 4,37,56
